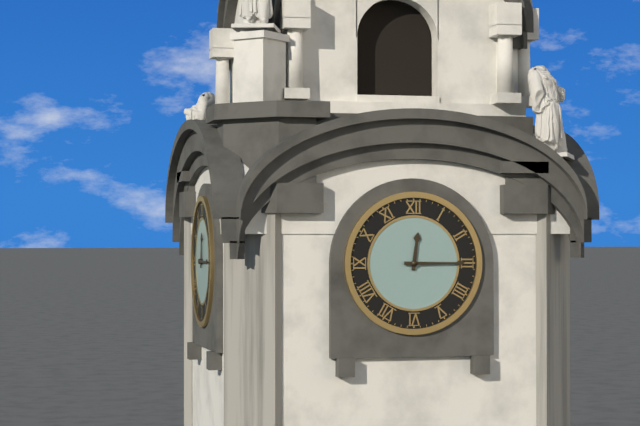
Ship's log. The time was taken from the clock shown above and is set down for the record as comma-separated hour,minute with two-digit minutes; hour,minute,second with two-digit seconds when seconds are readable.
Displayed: 12,15
